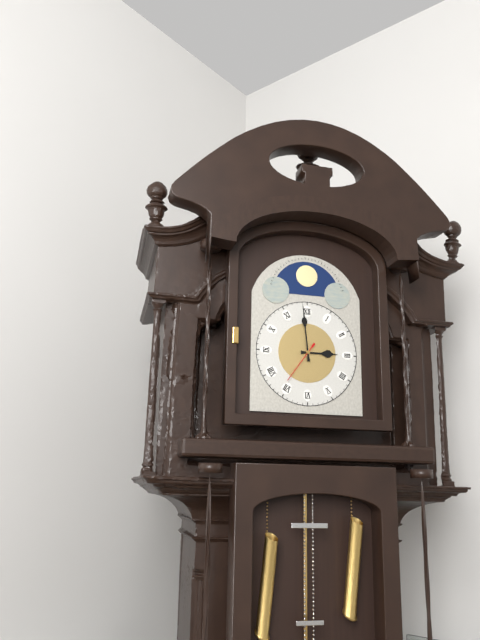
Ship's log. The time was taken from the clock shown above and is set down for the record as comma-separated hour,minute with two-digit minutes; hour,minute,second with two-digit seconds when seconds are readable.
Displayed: 2,59
